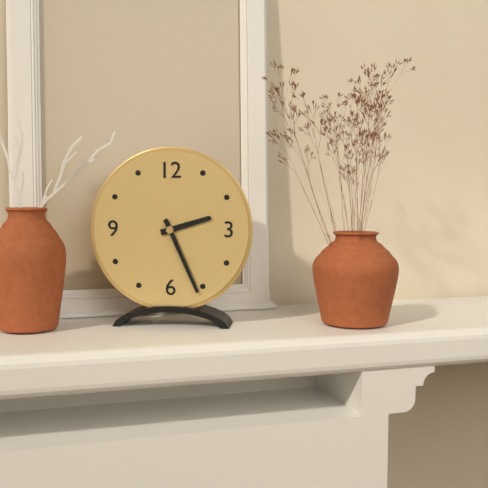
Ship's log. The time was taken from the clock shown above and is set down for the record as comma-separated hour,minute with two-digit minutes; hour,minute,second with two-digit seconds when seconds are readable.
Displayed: 2,26
